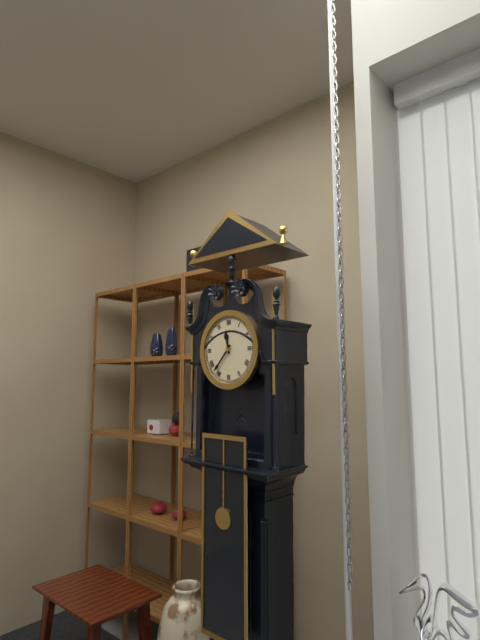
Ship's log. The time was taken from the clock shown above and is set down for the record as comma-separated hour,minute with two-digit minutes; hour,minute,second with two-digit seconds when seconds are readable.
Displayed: 11,37
